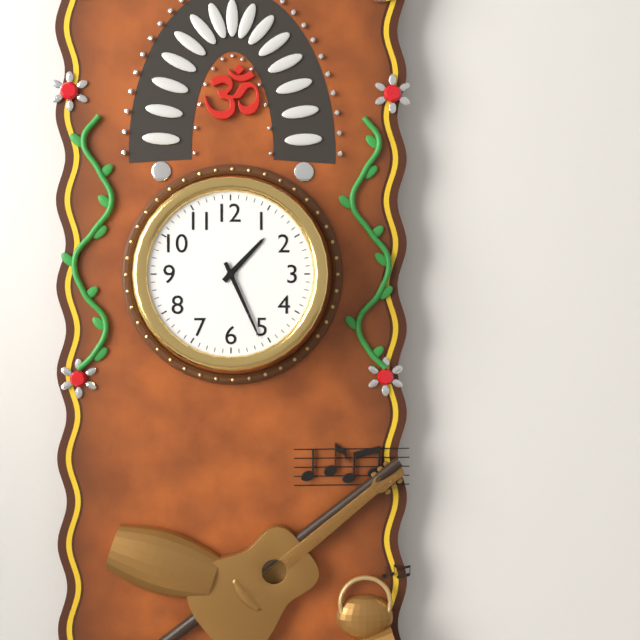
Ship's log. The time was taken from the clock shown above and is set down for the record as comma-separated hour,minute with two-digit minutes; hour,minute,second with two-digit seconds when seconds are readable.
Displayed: 1,26
